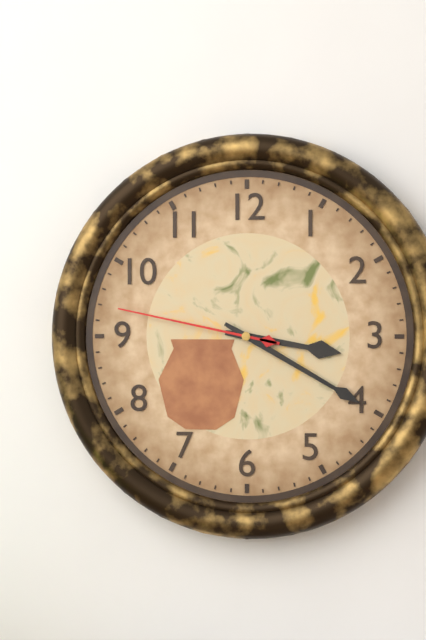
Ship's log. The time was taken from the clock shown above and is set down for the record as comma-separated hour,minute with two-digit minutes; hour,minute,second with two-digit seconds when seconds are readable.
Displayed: 3,20,47
